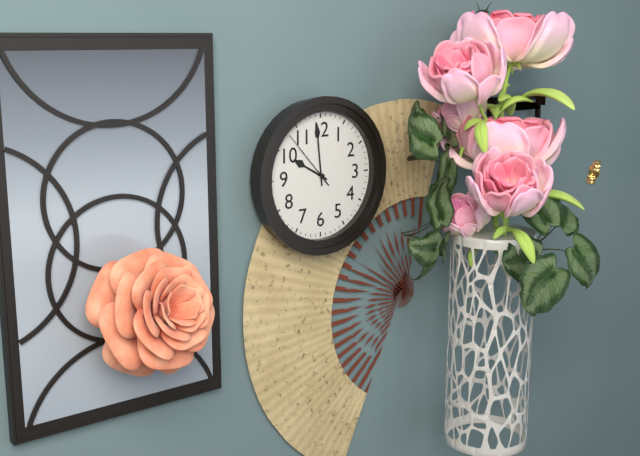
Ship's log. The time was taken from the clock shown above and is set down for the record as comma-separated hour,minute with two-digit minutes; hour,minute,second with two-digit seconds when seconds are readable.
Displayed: 9,59,53
